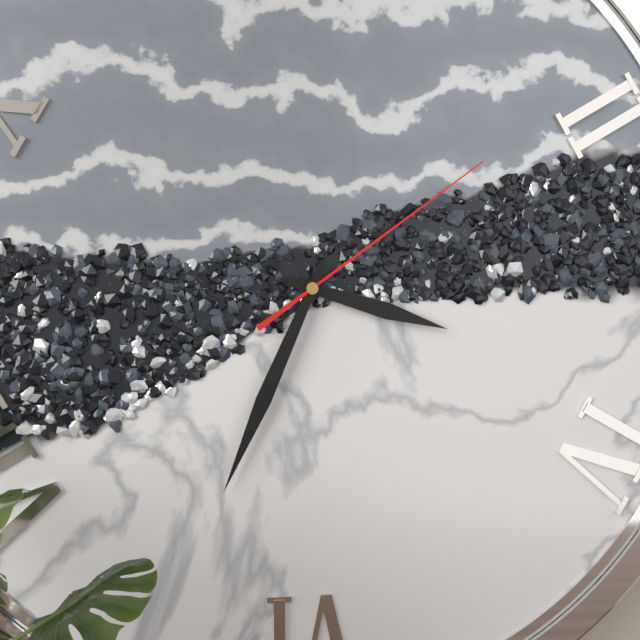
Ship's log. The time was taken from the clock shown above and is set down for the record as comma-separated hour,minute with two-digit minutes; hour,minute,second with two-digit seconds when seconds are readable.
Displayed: 3,34,09
